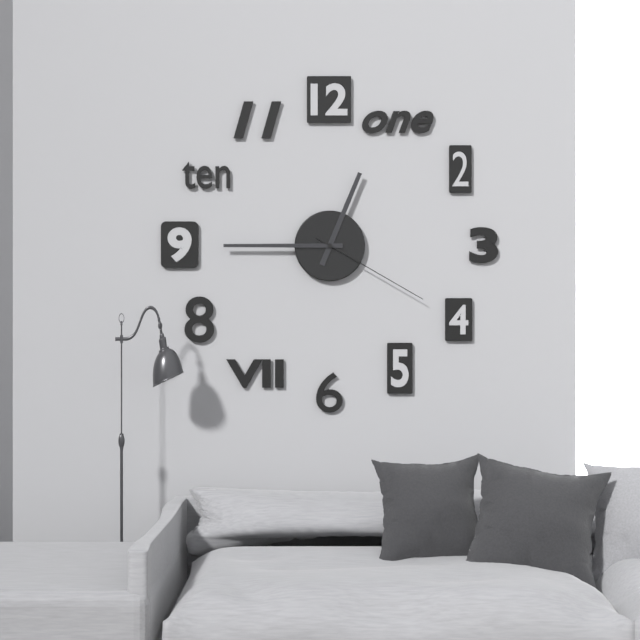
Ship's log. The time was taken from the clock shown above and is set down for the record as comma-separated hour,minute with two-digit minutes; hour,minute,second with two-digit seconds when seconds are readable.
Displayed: 12,45,20
